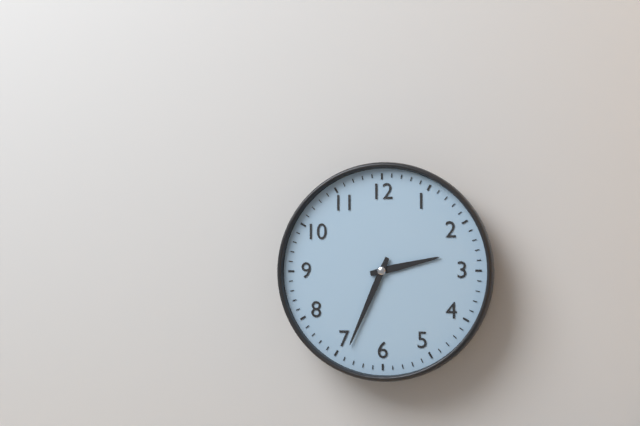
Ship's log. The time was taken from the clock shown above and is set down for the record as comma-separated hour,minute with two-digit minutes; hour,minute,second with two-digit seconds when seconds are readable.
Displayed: 2,34
